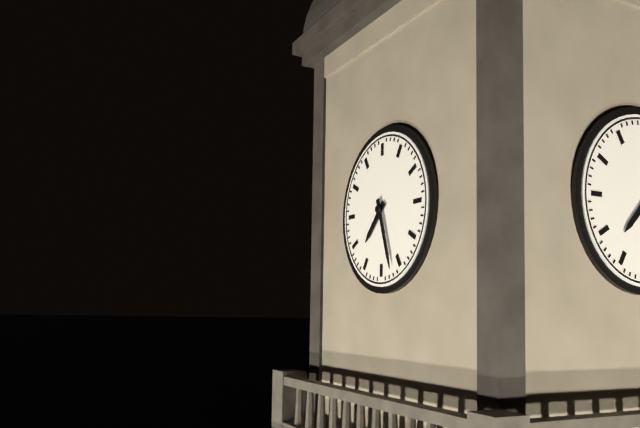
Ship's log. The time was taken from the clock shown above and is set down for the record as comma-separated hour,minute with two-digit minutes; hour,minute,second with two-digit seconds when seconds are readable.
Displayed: 7,27
